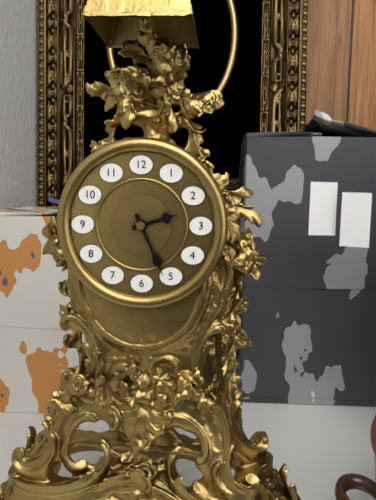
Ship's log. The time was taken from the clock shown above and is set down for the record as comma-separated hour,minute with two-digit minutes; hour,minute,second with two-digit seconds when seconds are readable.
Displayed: 2,26
